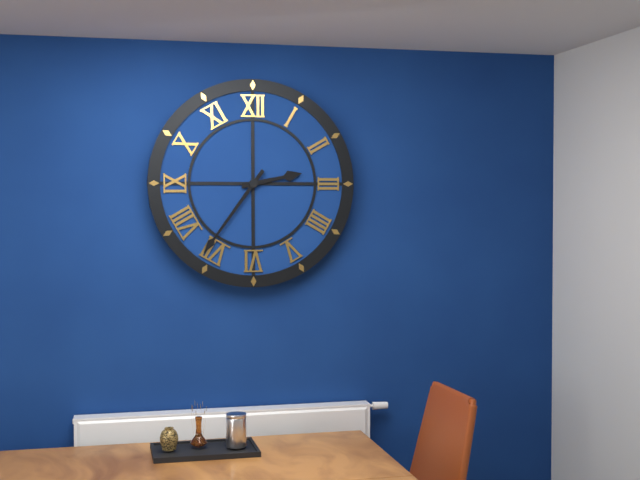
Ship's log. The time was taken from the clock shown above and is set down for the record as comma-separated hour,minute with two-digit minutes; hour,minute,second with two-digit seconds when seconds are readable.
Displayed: 2,36
